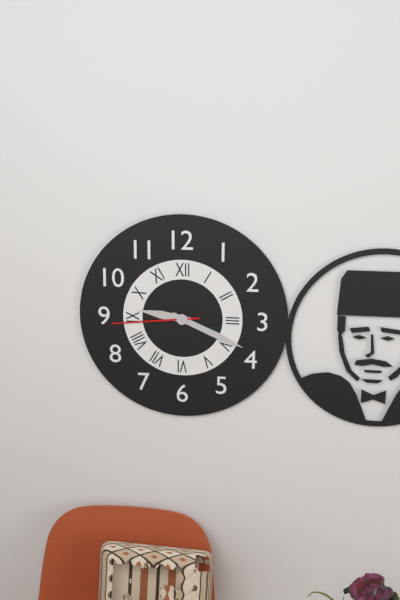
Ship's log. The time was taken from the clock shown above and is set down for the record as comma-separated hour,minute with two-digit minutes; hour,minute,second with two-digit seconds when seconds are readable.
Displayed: 9,19,44
